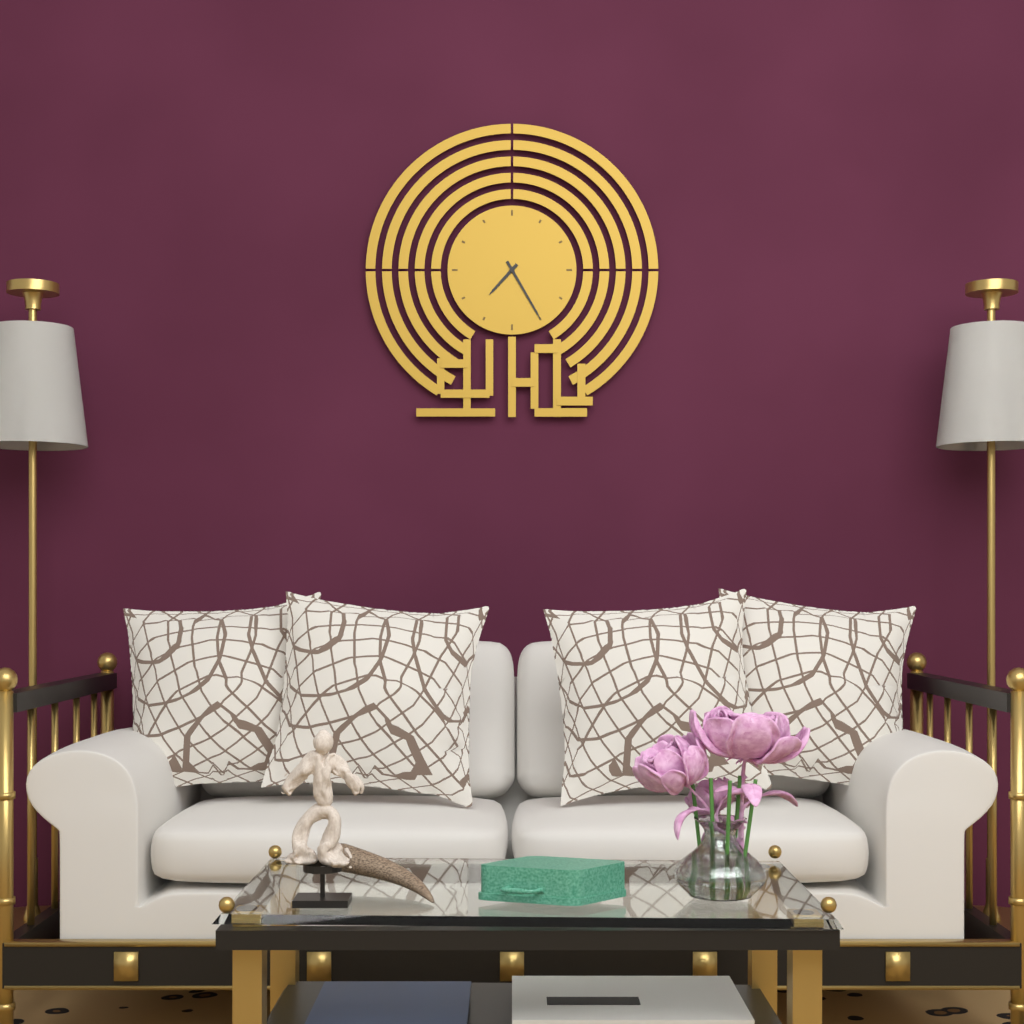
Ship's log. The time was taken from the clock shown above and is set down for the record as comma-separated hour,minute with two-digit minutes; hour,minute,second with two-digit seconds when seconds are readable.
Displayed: 7,25
